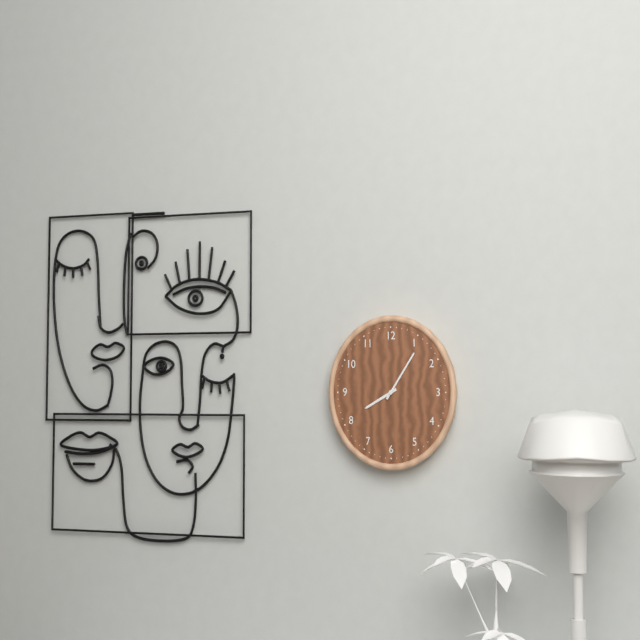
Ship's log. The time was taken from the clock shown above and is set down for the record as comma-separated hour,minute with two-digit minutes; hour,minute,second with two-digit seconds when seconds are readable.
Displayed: 8,06
